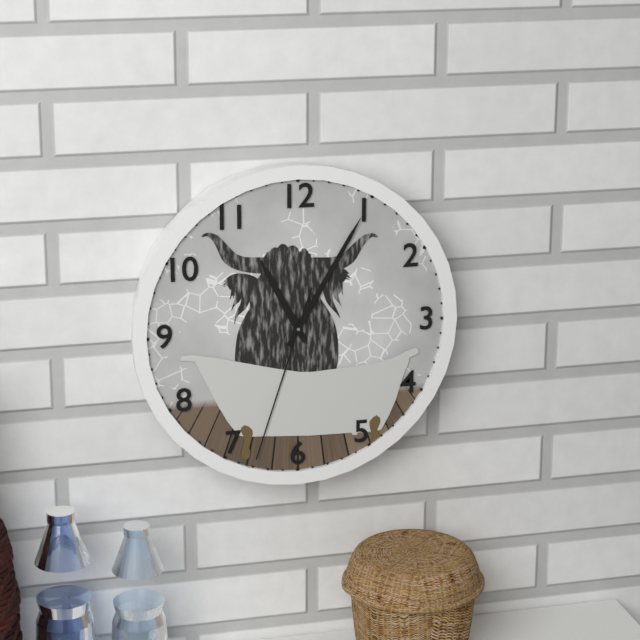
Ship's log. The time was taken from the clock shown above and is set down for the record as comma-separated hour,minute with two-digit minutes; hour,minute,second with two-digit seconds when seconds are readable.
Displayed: 11,05,33
